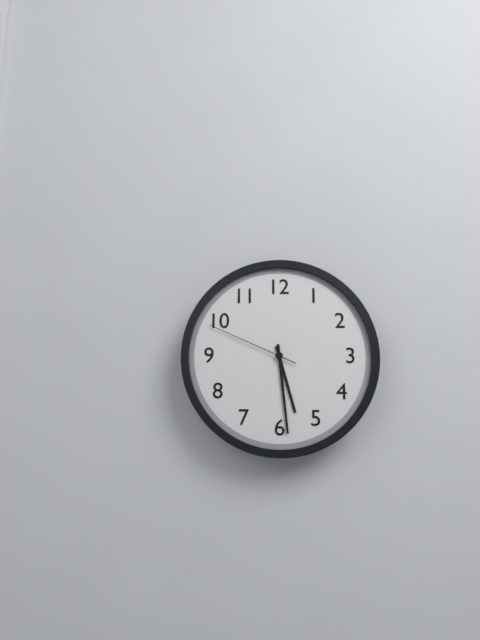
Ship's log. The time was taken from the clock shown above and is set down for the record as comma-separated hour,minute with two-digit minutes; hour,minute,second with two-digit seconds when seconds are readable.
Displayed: 5,29,49
